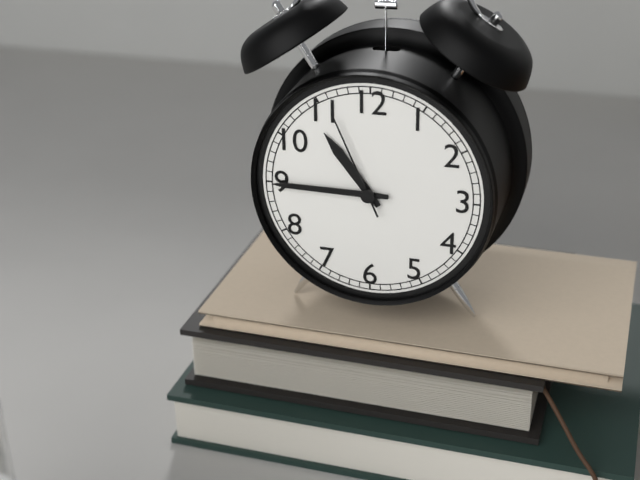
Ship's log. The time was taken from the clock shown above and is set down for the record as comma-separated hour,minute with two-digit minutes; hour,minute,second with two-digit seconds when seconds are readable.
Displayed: 10,45,56
